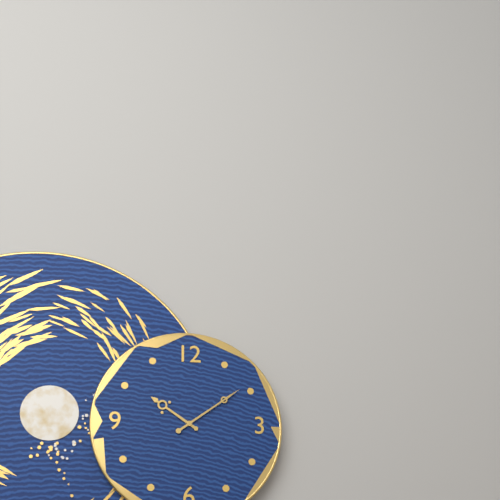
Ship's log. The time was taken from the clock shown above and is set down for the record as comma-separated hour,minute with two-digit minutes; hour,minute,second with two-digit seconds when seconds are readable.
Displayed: 10,09
